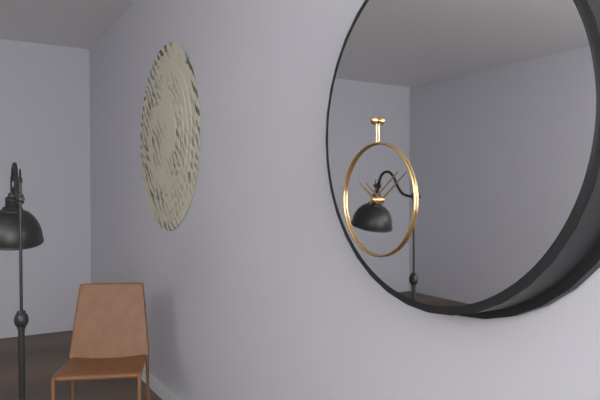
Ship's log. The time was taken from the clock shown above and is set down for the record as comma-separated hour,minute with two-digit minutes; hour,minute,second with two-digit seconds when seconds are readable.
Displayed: 10,09
